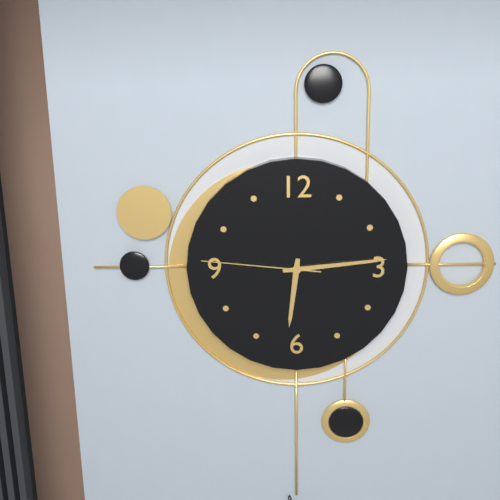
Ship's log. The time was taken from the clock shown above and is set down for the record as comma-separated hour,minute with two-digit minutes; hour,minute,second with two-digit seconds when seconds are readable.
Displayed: 6,14,46
